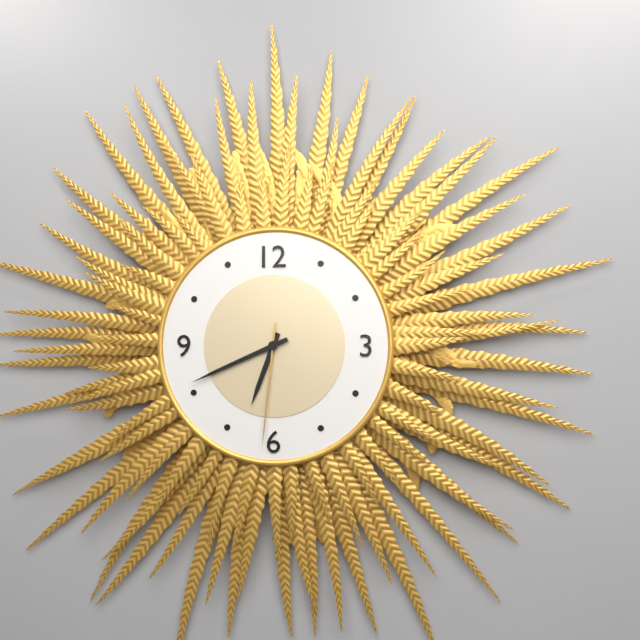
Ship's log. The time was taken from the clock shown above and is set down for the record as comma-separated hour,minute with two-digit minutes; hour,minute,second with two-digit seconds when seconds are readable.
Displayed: 6,41,31
